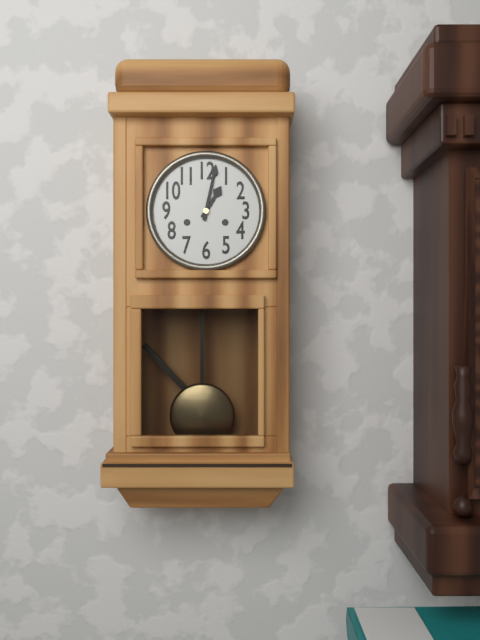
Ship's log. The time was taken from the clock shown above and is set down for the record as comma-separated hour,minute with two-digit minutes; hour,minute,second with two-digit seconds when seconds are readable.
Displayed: 1,02
